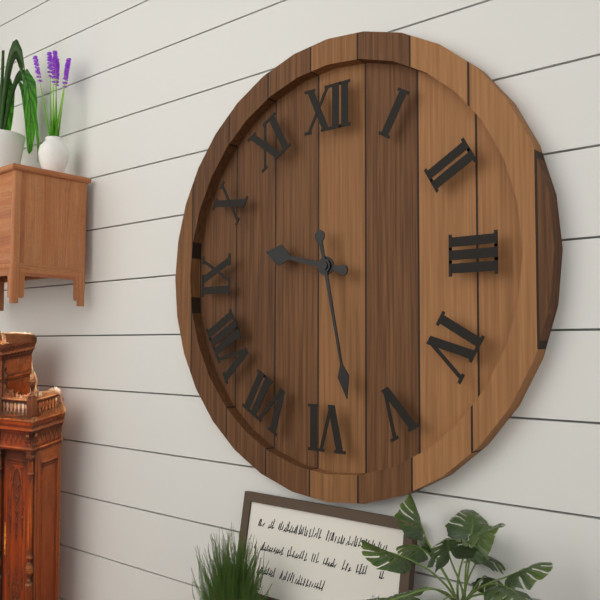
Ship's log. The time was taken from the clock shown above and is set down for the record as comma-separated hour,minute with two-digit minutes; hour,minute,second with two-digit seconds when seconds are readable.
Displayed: 9,28
